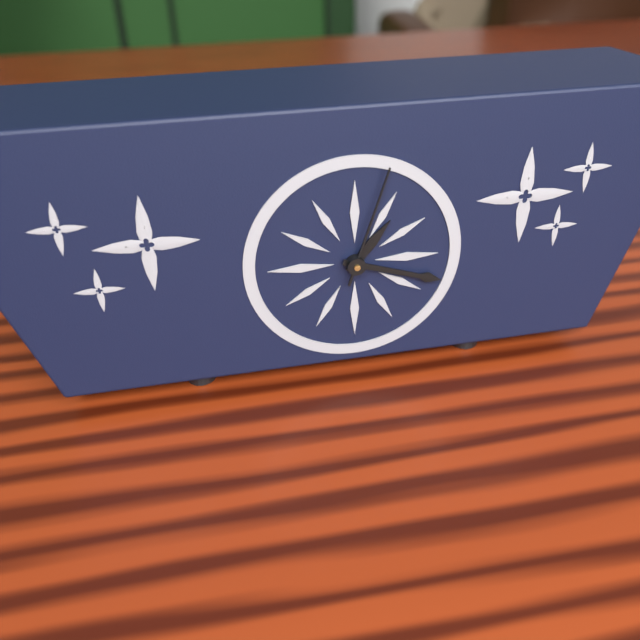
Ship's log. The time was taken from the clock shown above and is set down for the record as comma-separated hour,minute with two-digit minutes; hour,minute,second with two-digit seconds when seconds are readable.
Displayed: 1,18,03
